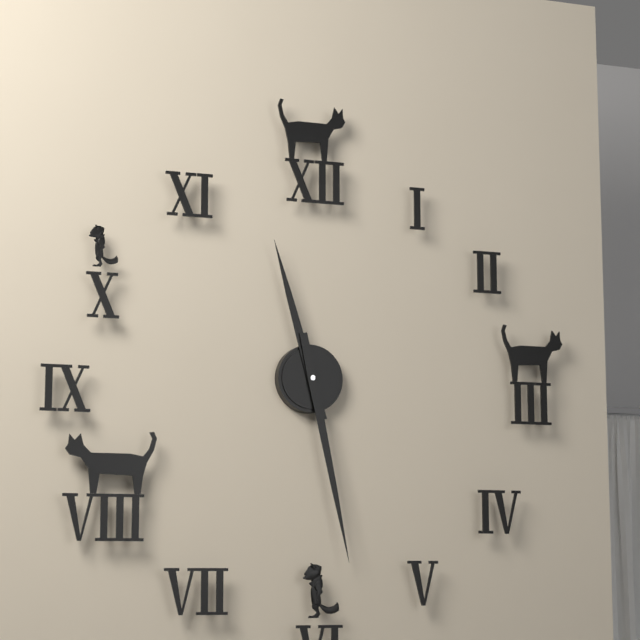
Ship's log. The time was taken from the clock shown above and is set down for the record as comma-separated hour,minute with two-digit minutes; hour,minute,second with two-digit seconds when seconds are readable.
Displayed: 11,28
